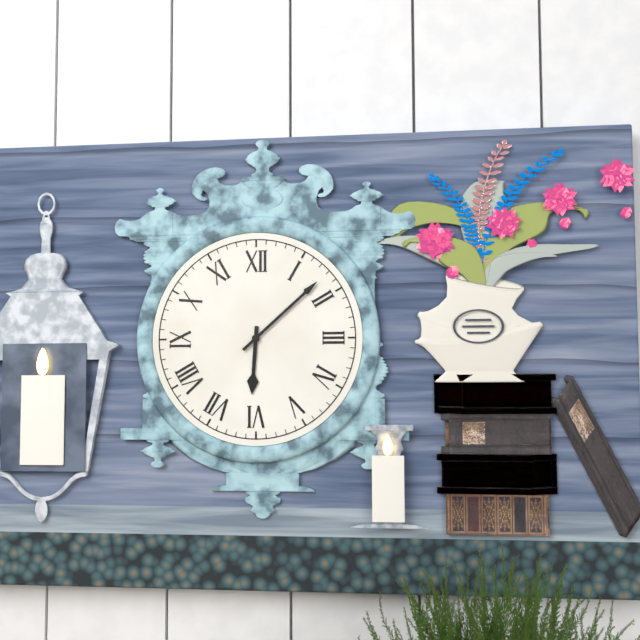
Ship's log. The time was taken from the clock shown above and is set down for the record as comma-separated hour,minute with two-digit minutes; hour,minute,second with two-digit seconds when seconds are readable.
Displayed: 6,08
